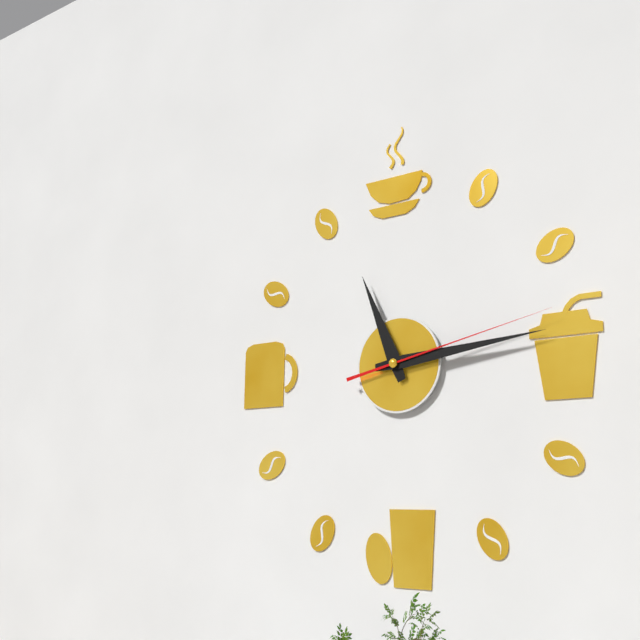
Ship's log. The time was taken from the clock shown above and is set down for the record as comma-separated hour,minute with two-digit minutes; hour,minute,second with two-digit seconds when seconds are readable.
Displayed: 11,14,13
